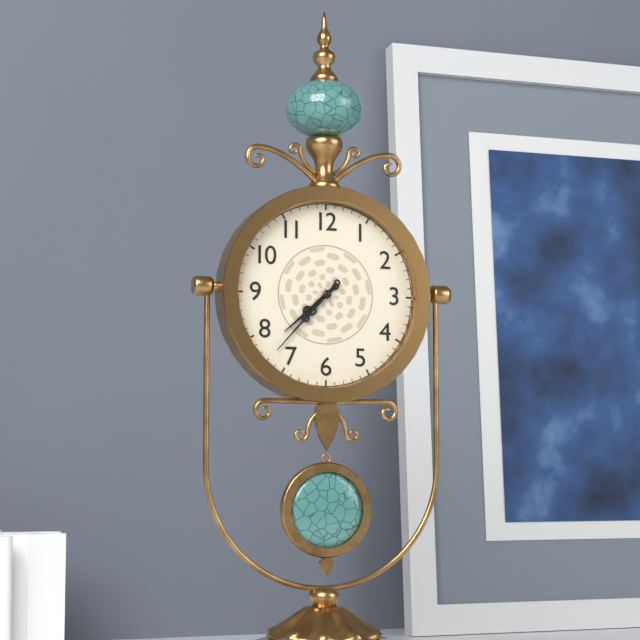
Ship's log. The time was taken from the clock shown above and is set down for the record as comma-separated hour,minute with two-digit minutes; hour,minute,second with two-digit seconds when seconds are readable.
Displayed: 7,37
